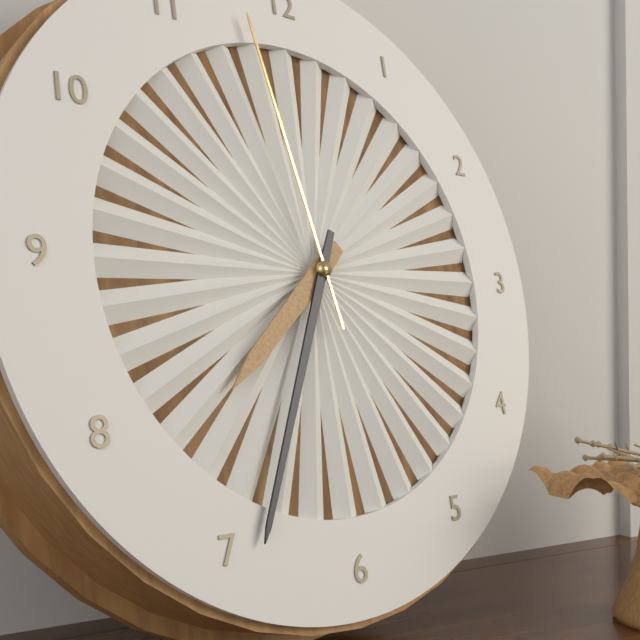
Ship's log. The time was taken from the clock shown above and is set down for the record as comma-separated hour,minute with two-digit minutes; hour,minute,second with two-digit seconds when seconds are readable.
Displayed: 7,34,58
